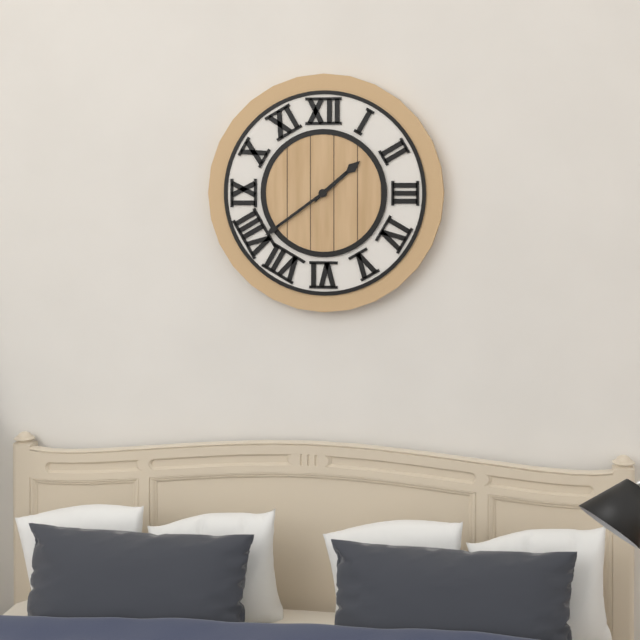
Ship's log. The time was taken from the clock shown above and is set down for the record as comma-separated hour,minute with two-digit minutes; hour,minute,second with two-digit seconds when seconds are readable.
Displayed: 1,39
